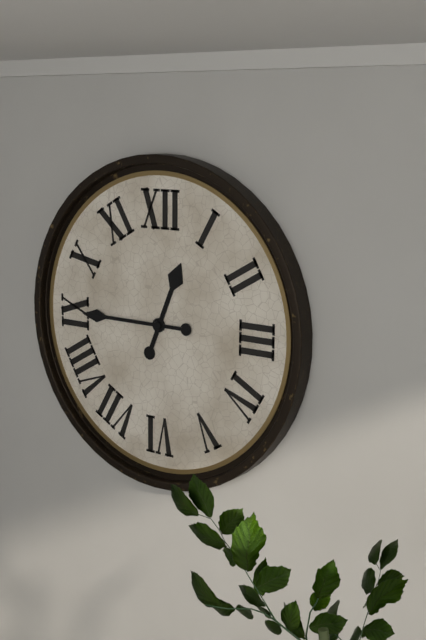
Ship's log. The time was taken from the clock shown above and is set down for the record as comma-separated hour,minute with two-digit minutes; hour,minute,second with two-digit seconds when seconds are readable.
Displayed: 12,45
